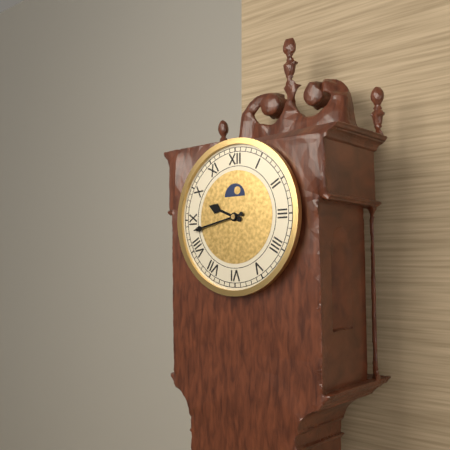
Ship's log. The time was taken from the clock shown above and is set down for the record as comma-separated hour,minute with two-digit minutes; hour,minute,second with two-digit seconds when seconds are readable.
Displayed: 9,43
